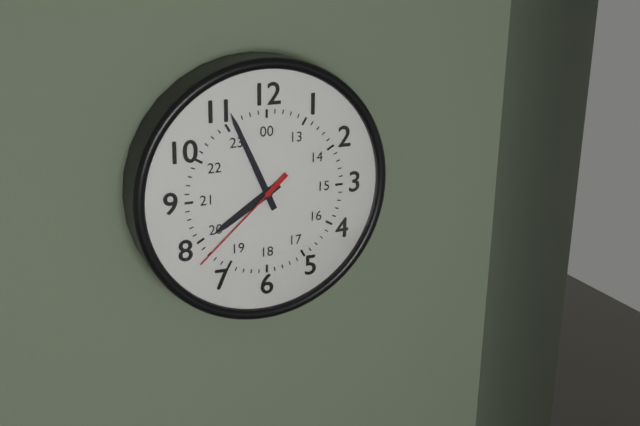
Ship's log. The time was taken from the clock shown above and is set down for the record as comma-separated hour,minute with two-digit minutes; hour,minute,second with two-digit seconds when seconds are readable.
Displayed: 7,56,38
